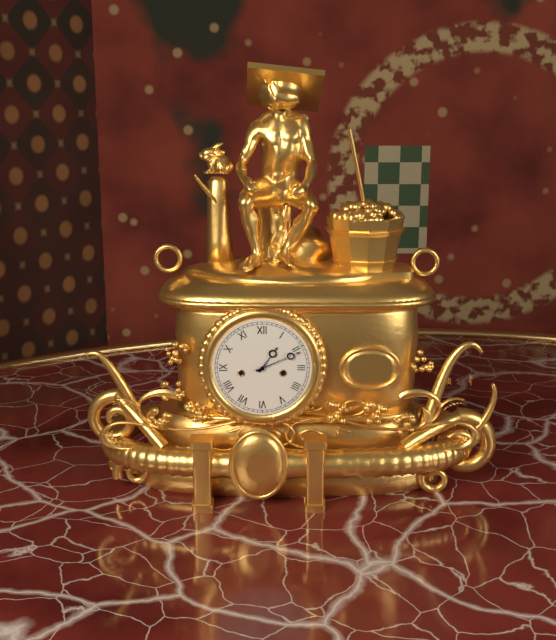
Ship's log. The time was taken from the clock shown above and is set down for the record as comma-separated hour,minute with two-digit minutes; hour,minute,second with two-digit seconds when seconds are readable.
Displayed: 1,11
